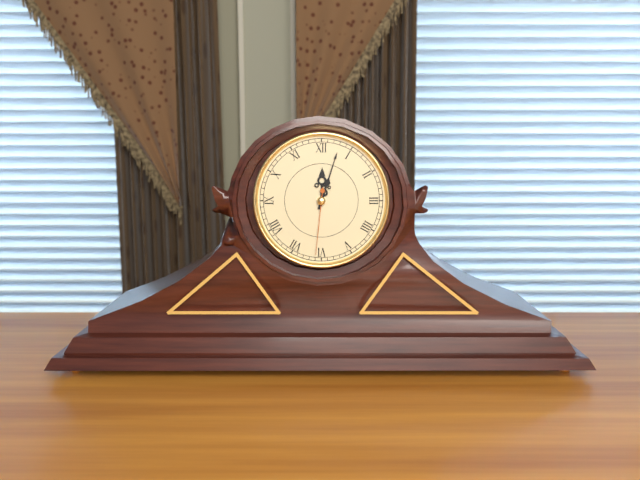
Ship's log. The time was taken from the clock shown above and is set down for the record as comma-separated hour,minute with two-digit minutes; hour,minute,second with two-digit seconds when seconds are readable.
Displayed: 12,03,31
